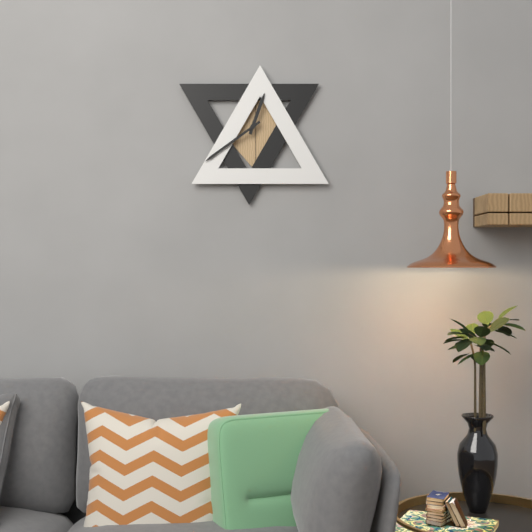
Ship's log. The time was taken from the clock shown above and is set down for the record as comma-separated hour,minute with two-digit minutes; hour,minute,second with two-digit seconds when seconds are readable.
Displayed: 12,39
